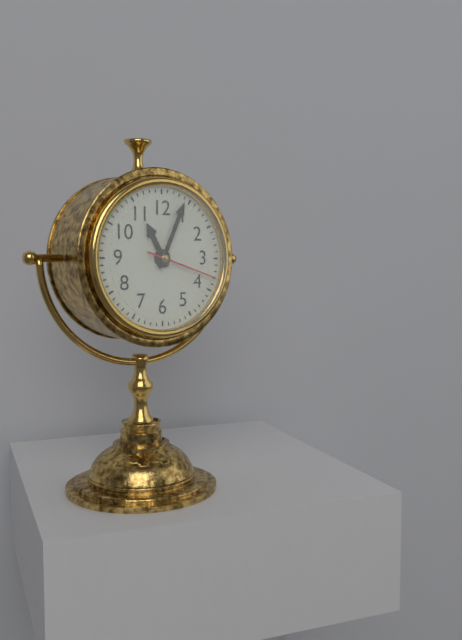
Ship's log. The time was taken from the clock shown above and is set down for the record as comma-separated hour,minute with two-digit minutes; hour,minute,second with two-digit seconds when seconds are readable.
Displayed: 11,04,18
